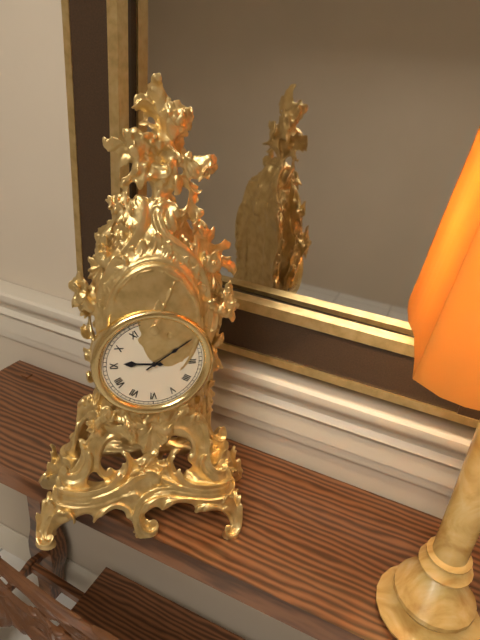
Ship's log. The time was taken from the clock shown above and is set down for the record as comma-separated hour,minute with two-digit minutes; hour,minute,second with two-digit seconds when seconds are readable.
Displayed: 9,09
